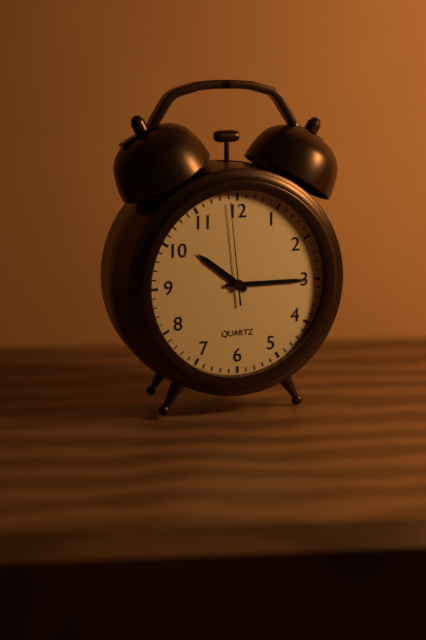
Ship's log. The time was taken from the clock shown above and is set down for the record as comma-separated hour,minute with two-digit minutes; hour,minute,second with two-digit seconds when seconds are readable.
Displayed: 10,15,59
